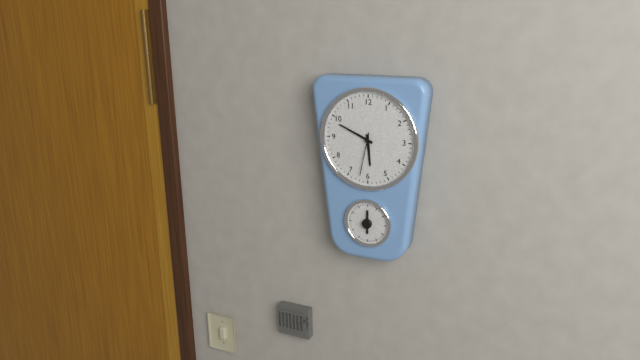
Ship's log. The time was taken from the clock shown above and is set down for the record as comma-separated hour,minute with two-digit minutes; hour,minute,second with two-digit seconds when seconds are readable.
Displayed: 5,49
